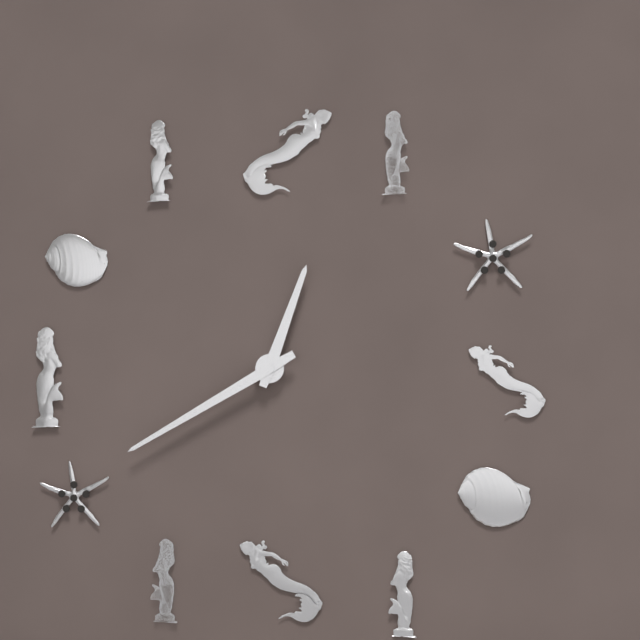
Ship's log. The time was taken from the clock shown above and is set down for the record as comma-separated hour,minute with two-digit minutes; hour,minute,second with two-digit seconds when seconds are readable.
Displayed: 12,40
